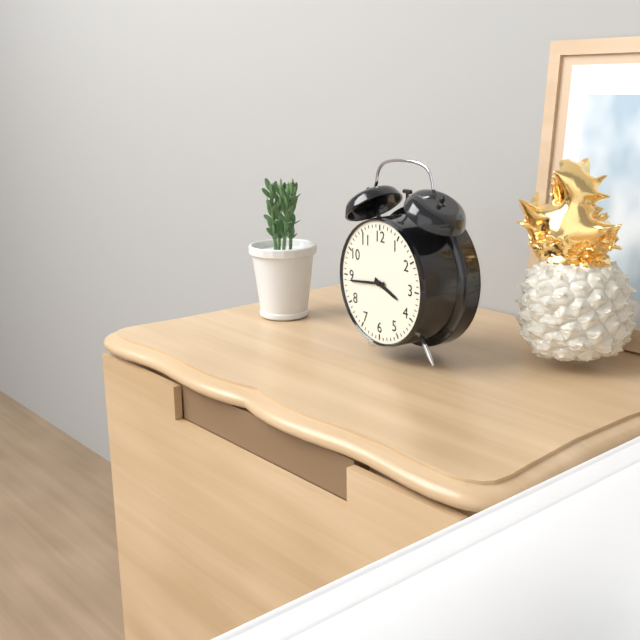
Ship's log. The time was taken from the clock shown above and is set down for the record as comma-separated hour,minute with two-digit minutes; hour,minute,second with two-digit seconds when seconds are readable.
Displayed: 3,44
